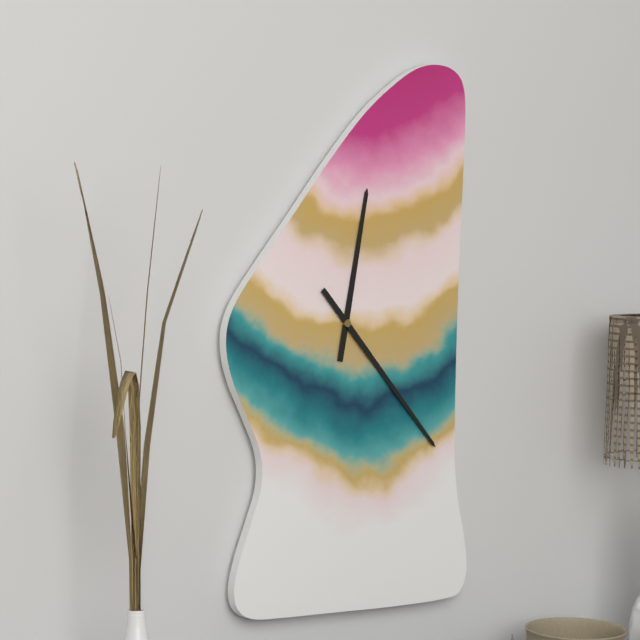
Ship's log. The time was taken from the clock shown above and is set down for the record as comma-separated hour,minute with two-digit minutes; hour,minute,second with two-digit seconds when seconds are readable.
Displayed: 12,23
